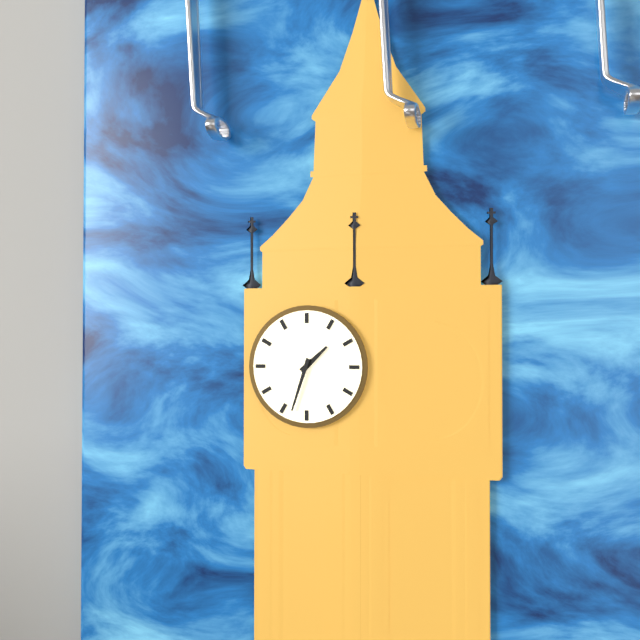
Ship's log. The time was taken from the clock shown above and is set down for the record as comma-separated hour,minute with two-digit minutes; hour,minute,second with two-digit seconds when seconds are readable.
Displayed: 1,33
